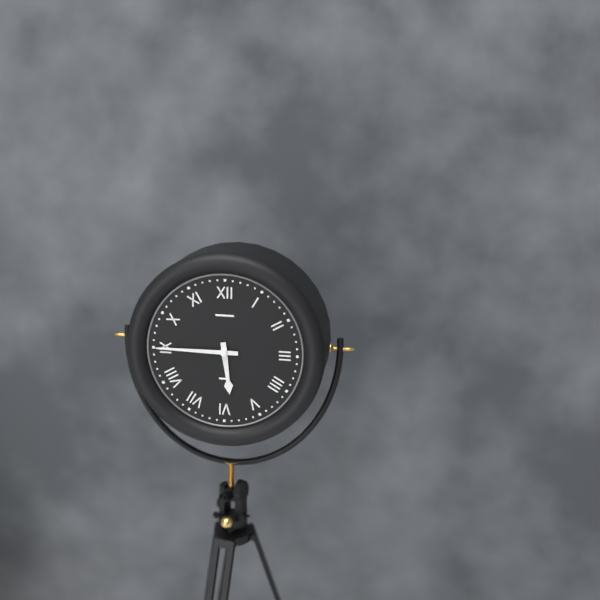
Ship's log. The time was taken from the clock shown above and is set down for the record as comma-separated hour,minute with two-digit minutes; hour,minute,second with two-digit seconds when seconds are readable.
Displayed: 5,45
